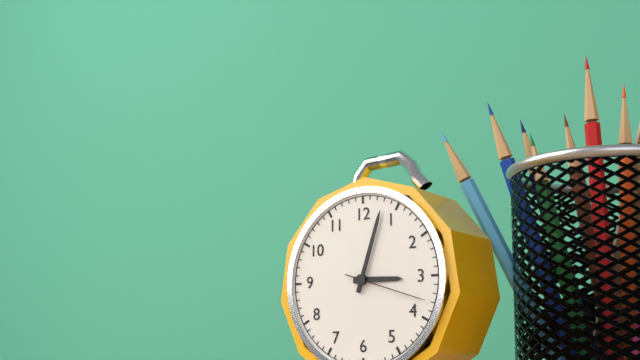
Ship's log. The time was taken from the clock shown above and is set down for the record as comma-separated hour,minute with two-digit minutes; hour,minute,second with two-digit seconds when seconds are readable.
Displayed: 3,03,18
